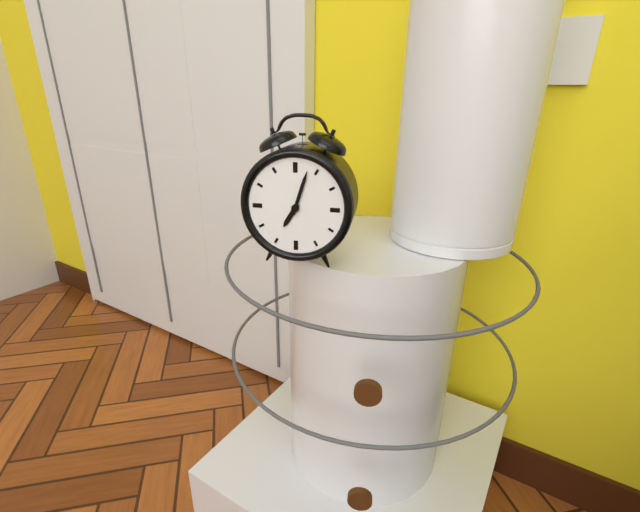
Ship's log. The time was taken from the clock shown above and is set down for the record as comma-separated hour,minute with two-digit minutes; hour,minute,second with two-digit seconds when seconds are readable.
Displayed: 7,03
